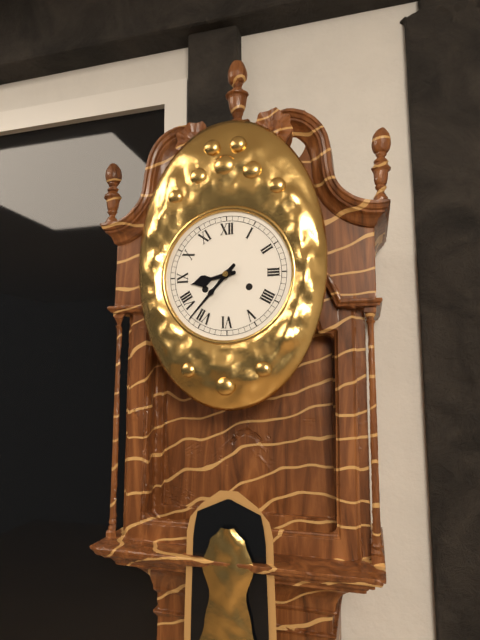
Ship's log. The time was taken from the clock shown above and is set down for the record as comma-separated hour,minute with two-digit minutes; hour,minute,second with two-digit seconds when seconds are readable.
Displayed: 8,37
